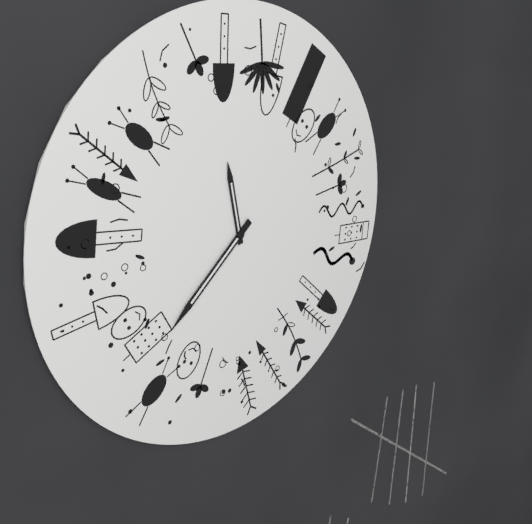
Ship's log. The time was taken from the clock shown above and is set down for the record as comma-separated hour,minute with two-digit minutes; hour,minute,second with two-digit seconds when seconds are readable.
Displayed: 11,38
